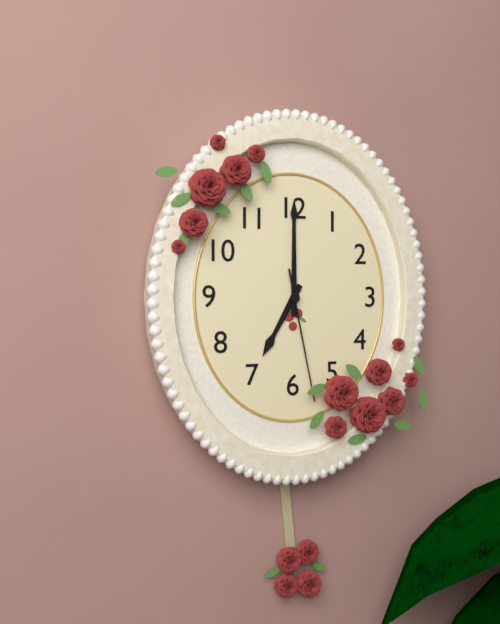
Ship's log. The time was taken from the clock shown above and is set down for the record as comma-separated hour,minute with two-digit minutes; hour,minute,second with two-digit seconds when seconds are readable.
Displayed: 7,00,28
